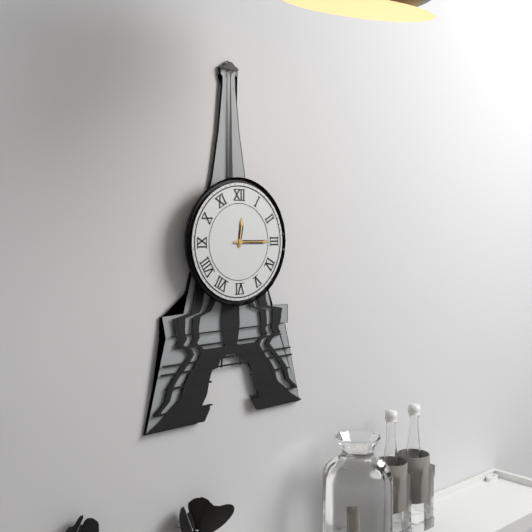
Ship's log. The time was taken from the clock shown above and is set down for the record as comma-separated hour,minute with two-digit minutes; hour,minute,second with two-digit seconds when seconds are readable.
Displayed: 12,15
